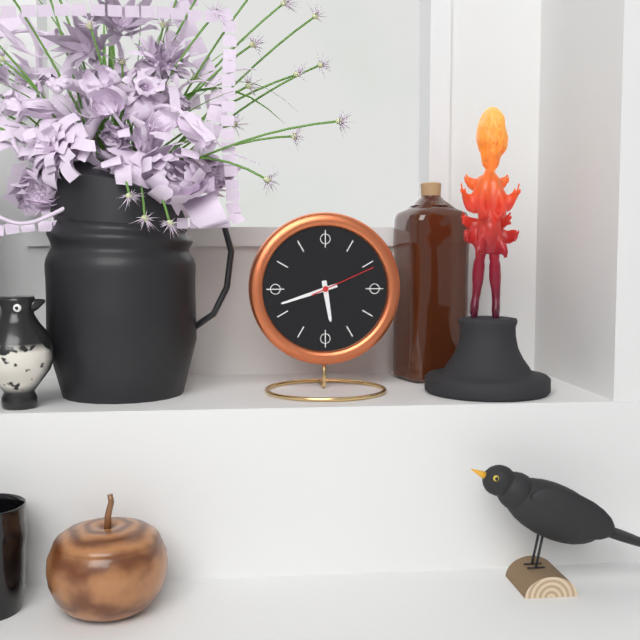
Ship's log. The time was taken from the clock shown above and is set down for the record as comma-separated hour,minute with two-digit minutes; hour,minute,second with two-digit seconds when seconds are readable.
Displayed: 5,42,11
